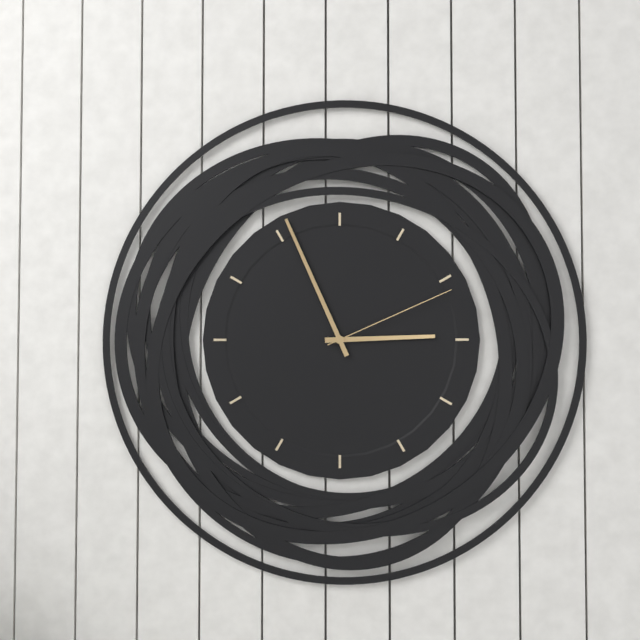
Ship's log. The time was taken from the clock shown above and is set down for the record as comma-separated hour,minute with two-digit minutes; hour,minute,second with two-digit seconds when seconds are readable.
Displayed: 2,56,11
